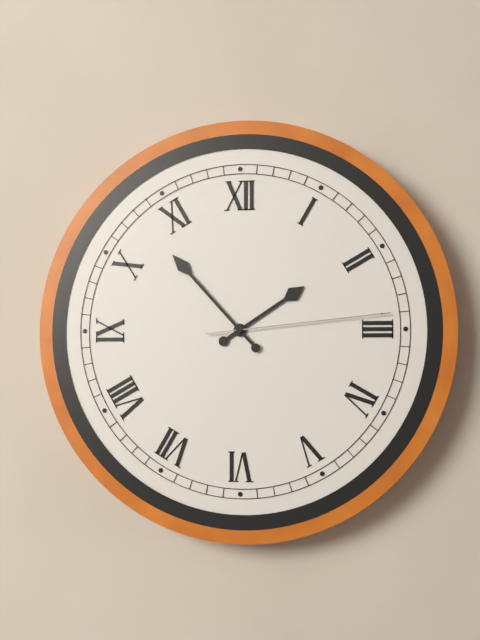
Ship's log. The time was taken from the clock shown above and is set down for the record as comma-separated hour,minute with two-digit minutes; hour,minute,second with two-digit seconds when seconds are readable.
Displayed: 1,53,14
